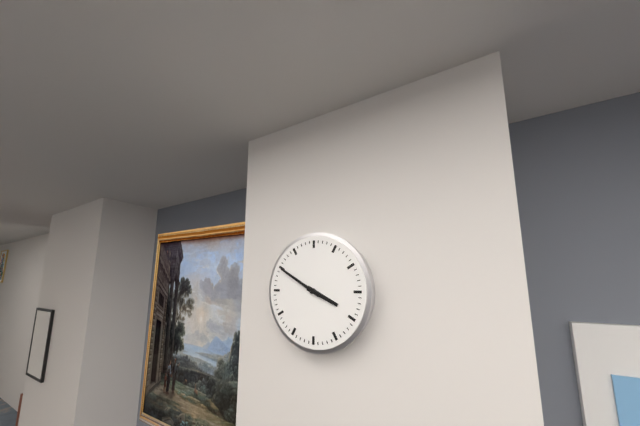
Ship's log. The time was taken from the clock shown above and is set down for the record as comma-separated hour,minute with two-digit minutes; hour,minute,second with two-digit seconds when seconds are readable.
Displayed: 3,50
